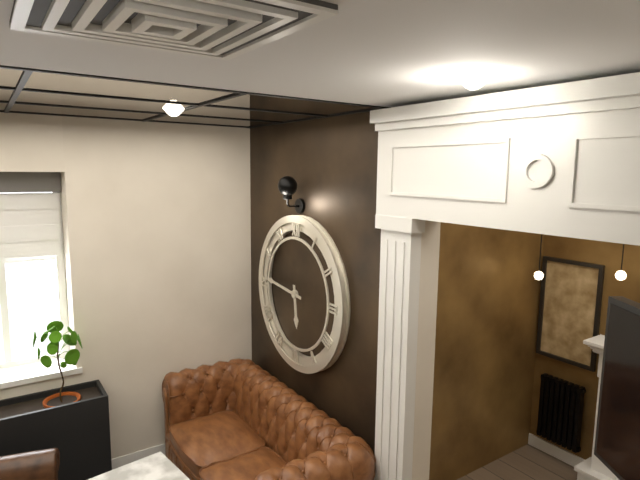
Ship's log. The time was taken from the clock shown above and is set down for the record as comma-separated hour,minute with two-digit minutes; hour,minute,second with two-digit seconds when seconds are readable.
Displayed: 5,46
